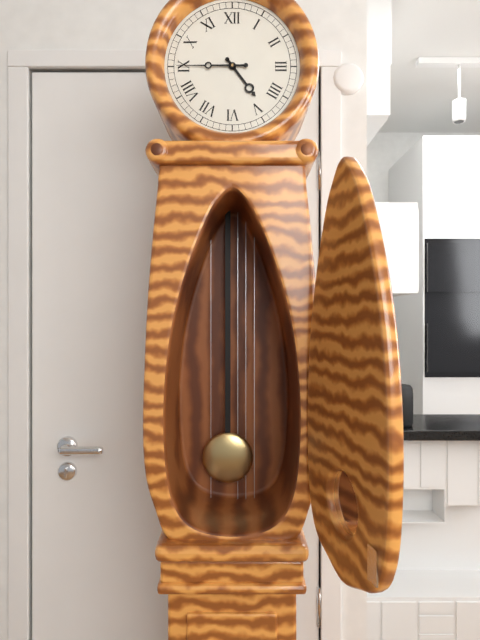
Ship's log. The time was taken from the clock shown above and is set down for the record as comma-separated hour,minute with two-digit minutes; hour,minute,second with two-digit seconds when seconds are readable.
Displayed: 4,45
